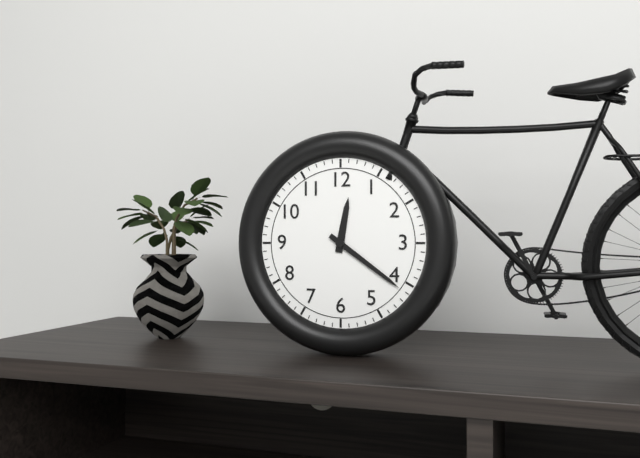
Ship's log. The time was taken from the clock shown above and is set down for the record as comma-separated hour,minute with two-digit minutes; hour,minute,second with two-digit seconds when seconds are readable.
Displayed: 12,21
